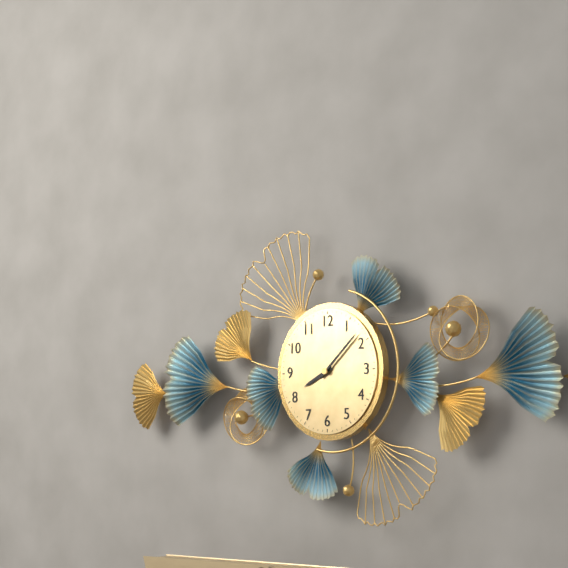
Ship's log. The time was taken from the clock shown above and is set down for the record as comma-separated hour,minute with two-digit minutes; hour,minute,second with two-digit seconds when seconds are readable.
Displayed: 8,08
